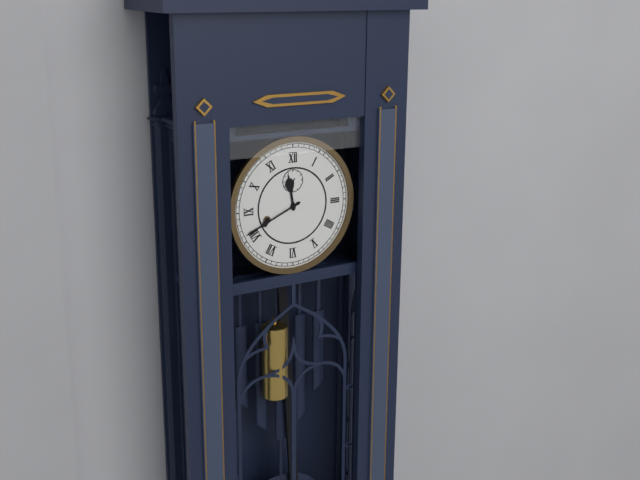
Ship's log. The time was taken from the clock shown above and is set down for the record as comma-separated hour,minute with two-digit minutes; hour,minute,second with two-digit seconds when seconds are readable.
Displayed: 11,41
